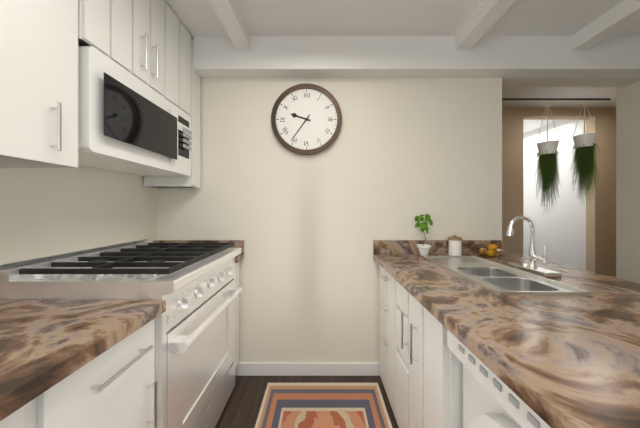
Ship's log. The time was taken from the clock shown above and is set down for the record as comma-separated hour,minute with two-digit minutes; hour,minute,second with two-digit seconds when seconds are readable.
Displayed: 9,36
